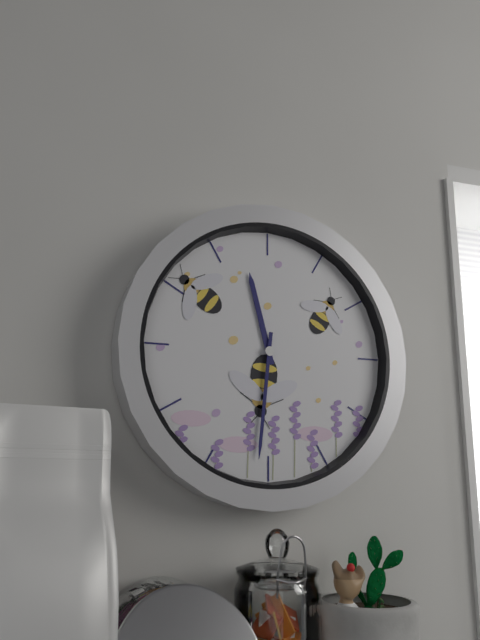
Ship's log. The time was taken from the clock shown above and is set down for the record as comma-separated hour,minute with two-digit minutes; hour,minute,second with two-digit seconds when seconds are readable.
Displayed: 11,31
